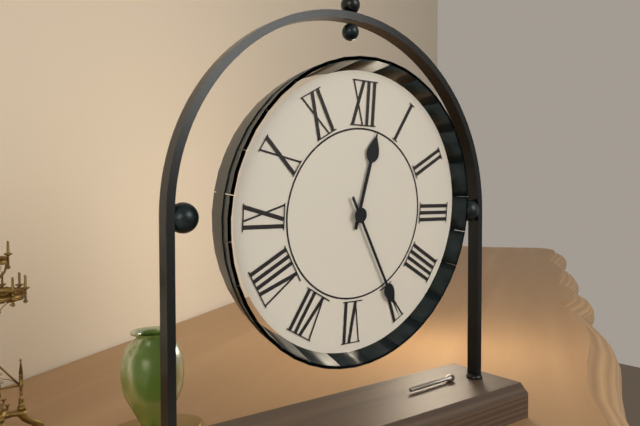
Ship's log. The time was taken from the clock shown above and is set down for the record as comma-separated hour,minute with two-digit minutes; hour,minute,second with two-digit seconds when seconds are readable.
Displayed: 12,25
